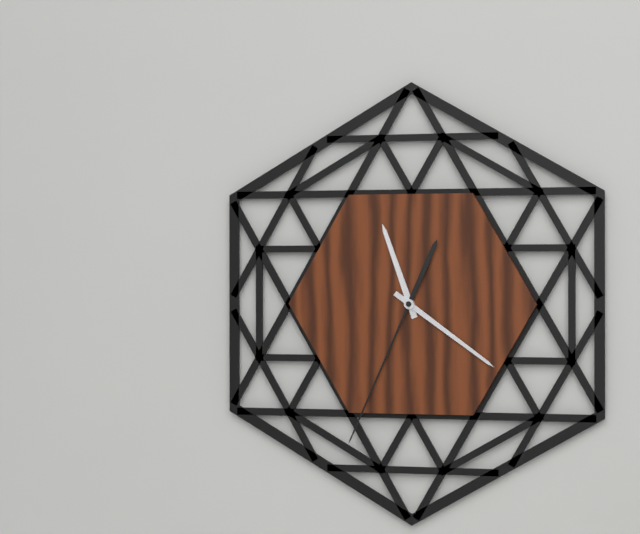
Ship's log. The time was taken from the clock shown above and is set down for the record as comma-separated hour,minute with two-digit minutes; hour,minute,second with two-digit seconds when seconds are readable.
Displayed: 11,21,34
